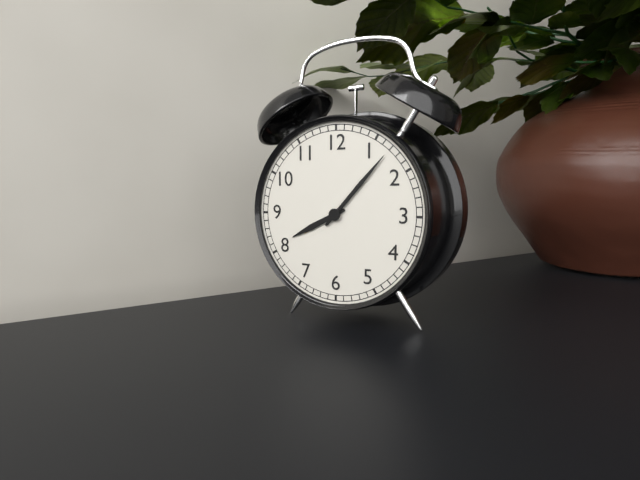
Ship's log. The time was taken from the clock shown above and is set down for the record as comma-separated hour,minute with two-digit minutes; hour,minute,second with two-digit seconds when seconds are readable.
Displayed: 8,07
